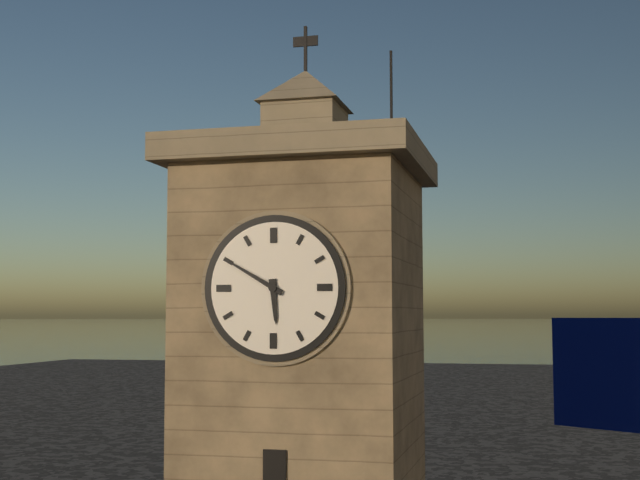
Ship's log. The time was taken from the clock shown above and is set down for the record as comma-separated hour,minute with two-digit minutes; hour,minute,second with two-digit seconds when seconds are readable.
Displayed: 5,50
